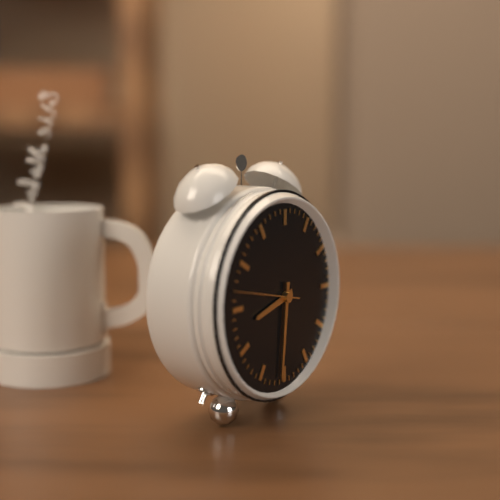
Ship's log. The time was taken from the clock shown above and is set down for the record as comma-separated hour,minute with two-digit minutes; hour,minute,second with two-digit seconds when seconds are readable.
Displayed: 8,31,47
